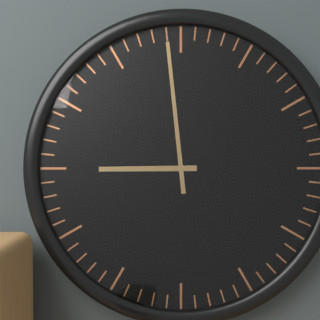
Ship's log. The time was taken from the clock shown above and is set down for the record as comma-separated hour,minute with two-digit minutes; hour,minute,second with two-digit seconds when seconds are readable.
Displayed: 8,59
